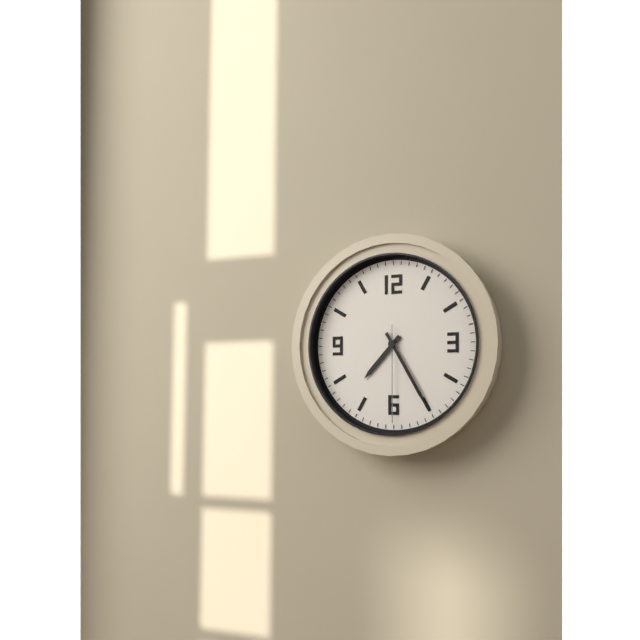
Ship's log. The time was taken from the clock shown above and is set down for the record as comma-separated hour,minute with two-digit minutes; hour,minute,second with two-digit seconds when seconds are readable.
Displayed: 7,25,30
